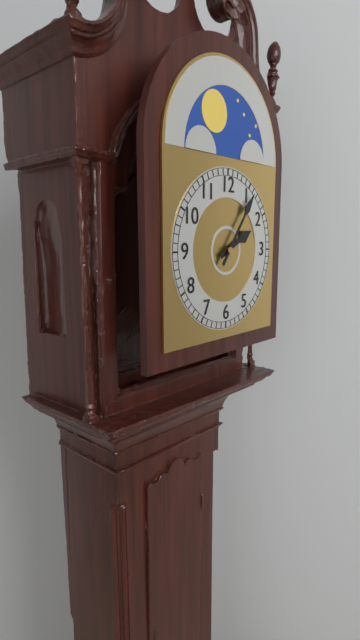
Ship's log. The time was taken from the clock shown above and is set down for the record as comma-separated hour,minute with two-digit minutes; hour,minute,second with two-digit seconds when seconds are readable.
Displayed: 2,06
